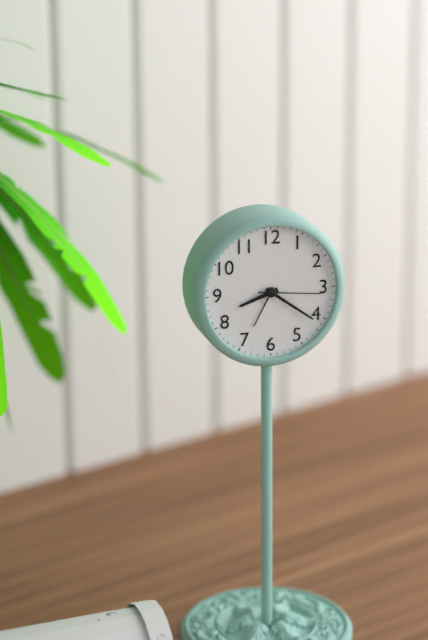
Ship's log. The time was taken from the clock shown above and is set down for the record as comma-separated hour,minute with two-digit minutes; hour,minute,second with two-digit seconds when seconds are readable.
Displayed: 8,21,16
